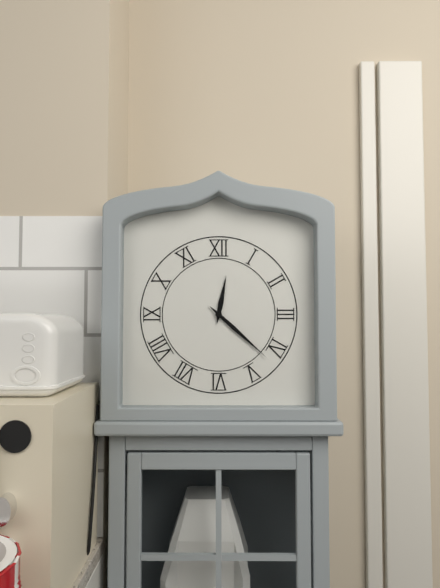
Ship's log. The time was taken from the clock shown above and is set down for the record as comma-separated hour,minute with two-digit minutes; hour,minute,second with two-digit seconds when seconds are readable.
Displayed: 12,22
